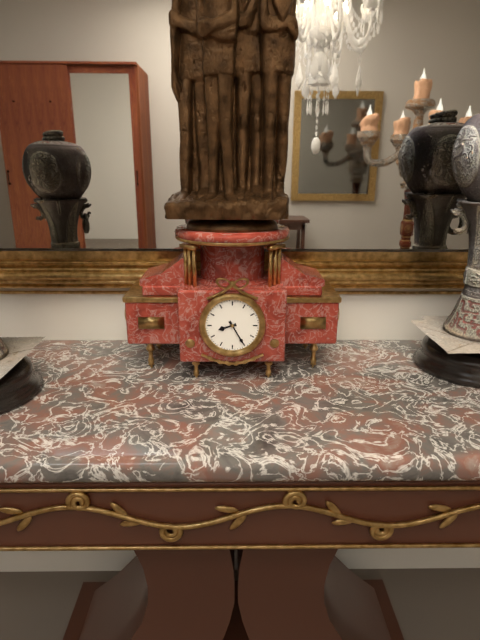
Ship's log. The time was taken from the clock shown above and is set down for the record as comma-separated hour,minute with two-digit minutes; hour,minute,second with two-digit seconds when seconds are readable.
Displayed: 8,25
